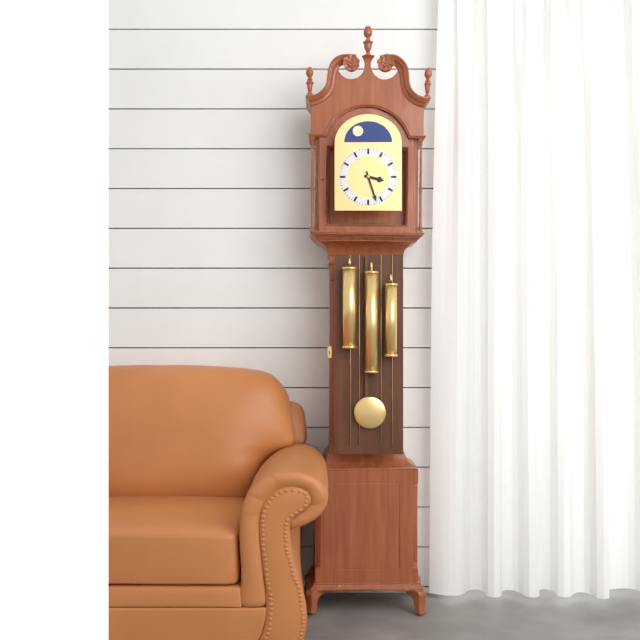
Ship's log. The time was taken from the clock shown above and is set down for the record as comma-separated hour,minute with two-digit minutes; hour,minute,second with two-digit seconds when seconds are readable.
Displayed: 3,27
